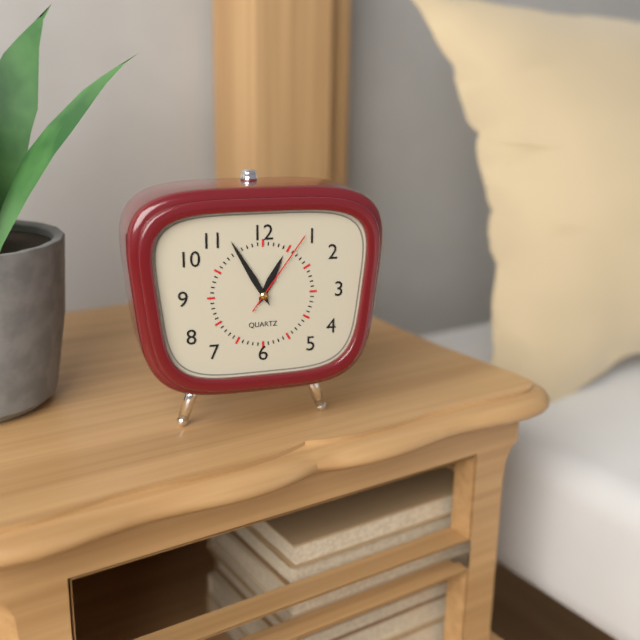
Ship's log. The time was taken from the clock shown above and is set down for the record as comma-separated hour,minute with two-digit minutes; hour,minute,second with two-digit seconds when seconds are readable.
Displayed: 12,55,06
